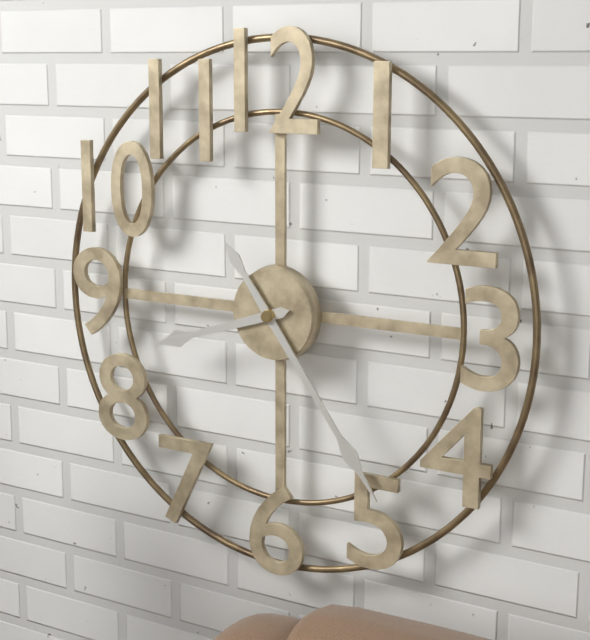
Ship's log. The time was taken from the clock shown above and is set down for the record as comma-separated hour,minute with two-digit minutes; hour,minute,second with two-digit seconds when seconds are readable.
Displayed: 8,24
